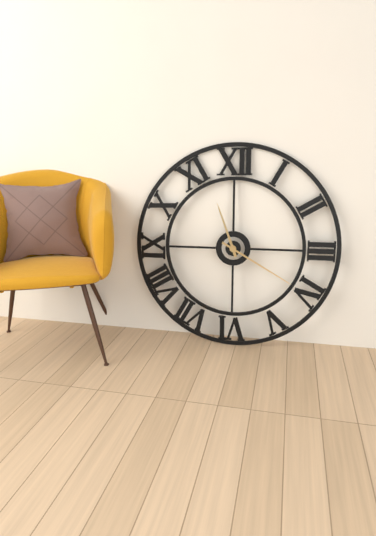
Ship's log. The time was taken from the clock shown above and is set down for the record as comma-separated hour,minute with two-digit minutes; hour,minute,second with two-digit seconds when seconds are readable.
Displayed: 11,20
